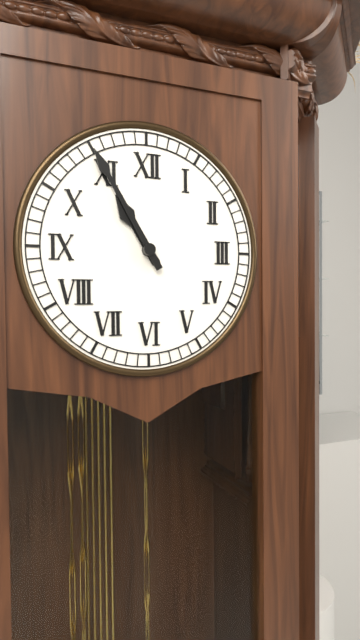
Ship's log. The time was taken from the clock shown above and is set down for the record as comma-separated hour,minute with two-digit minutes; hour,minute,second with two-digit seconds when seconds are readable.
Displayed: 10,55
